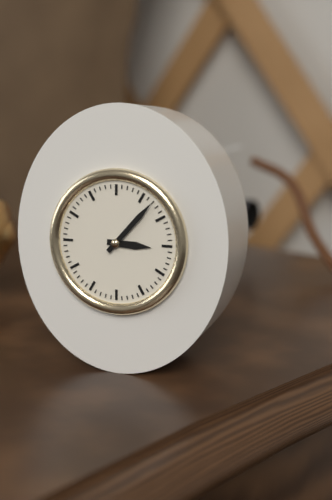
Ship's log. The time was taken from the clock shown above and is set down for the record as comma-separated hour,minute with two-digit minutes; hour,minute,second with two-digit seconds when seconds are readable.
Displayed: 3,07
